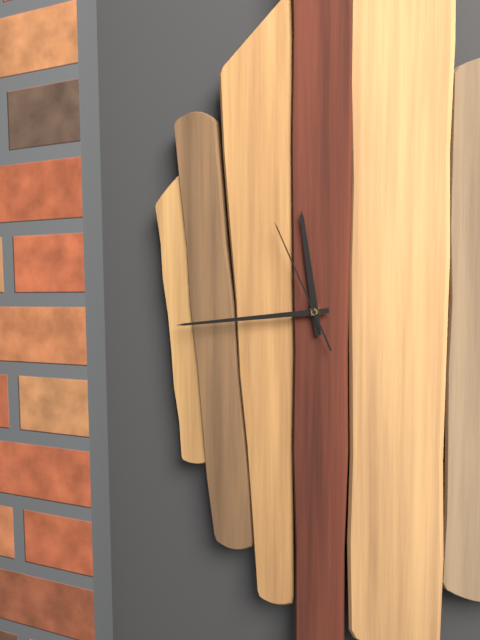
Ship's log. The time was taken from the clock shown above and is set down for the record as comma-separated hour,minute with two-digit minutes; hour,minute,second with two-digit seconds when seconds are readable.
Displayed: 11,44,56
